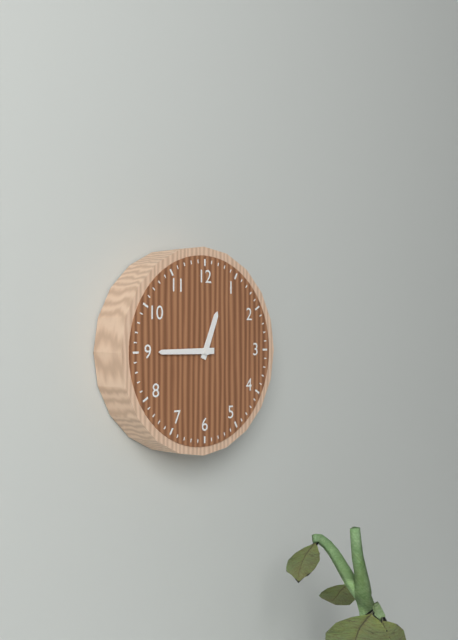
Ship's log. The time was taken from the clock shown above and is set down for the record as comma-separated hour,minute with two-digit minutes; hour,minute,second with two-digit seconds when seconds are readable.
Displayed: 12,45
